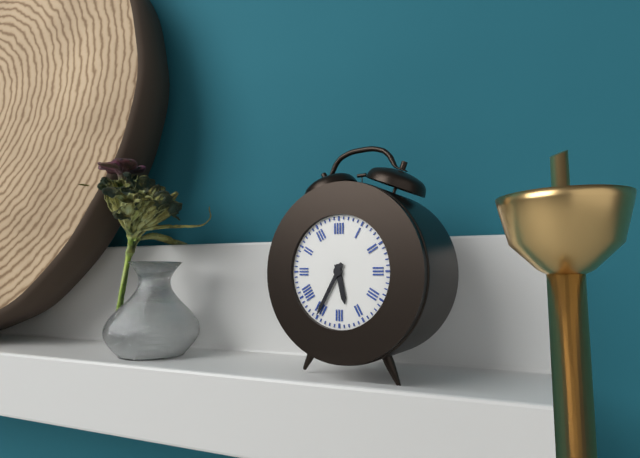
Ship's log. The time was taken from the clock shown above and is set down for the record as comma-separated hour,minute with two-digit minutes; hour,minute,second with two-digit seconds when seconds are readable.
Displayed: 5,35
